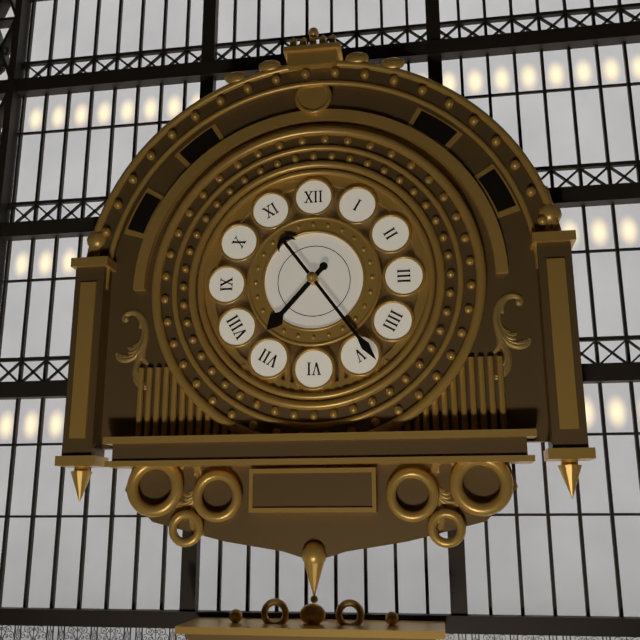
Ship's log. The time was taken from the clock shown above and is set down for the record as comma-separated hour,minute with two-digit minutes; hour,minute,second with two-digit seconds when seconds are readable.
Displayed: 7,24
